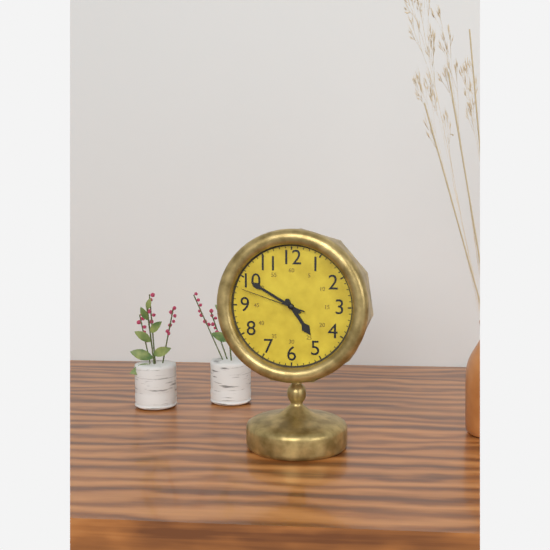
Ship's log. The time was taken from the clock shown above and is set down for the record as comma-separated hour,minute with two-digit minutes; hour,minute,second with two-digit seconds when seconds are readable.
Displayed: 4,50,48
